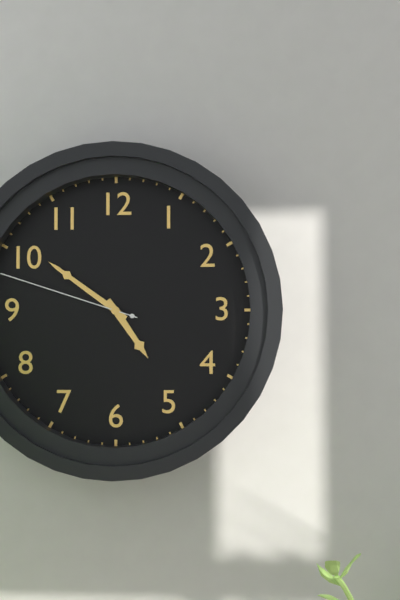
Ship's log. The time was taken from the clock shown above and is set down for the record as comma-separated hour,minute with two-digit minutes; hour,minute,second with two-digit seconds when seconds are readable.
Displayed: 4,51,48
